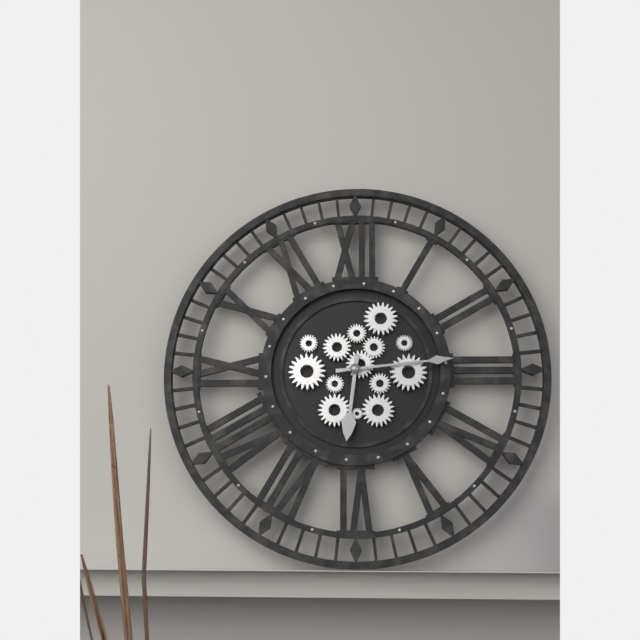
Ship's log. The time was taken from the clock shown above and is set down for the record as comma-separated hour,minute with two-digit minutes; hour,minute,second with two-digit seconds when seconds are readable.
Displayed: 6,14
